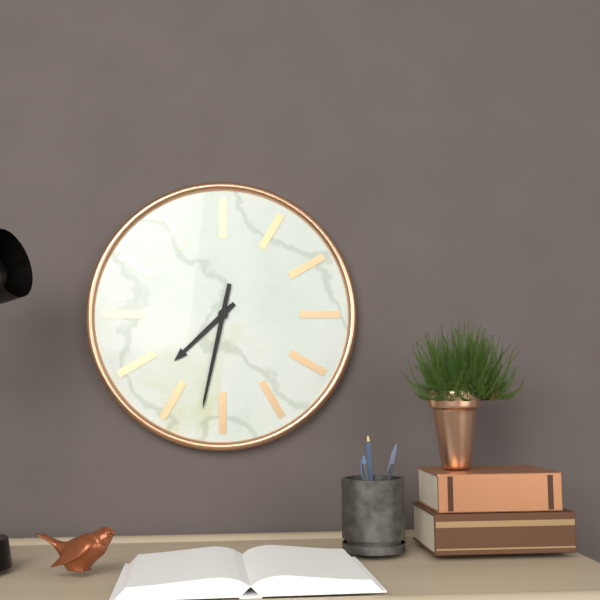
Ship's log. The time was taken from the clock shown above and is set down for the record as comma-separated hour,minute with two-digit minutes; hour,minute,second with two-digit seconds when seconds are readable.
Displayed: 7,32
